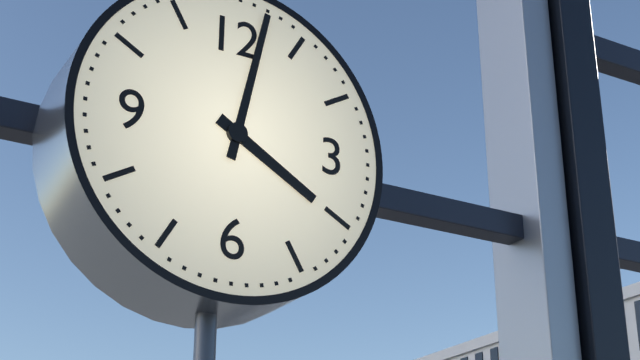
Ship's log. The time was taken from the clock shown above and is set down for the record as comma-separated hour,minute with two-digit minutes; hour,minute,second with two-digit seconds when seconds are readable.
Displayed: 4,02
